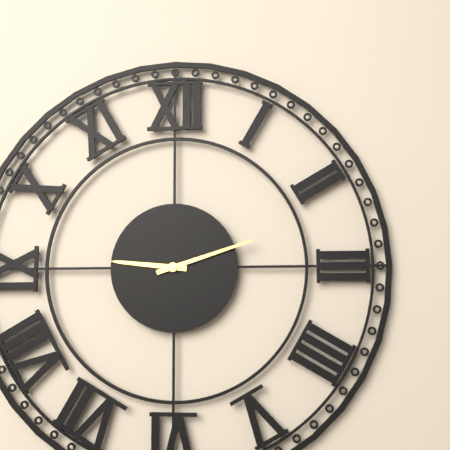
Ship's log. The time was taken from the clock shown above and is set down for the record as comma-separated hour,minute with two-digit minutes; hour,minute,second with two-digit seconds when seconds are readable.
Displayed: 9,12
